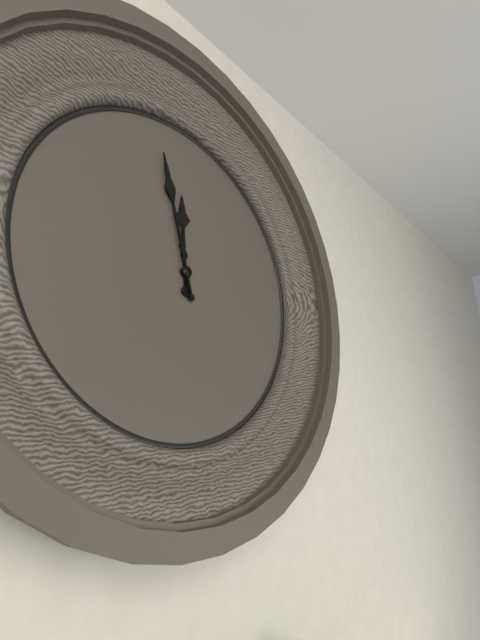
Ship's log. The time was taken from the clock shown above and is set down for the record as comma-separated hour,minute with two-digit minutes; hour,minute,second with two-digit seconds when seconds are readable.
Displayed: 11,58
